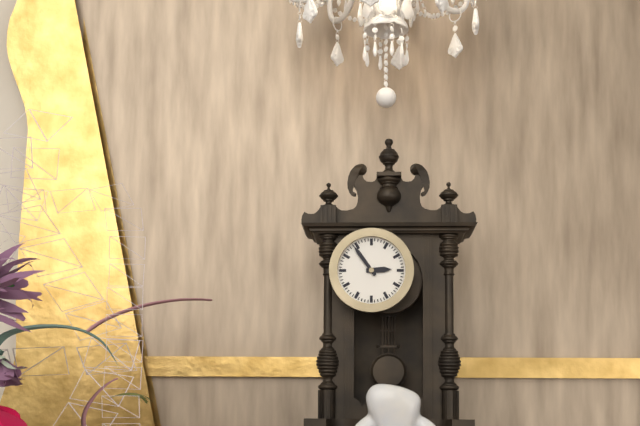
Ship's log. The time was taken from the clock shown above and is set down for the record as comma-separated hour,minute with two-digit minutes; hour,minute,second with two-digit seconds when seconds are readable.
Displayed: 2,54
